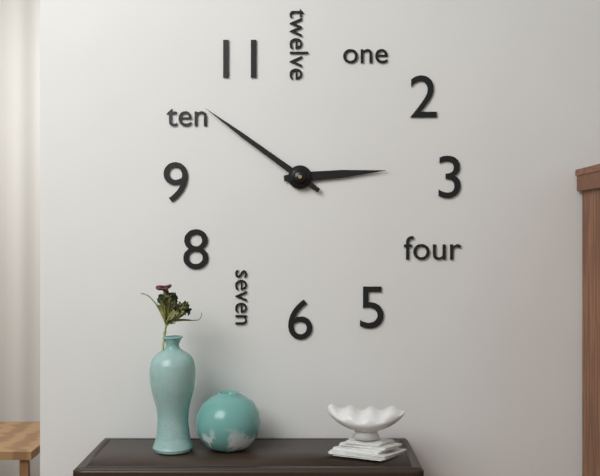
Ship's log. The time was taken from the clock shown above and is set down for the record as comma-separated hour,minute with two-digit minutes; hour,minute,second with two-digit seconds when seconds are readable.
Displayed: 2,51
